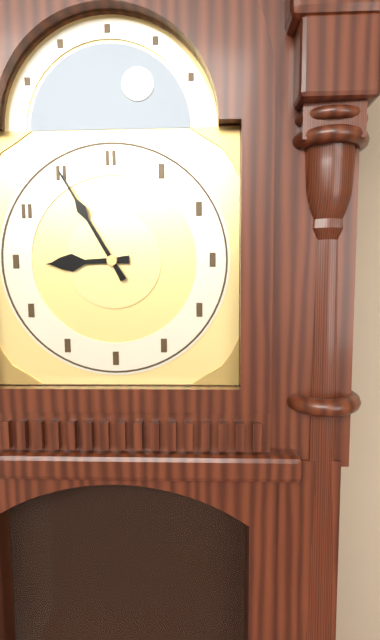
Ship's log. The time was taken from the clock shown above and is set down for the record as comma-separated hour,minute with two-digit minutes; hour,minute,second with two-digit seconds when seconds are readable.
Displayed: 8,55
